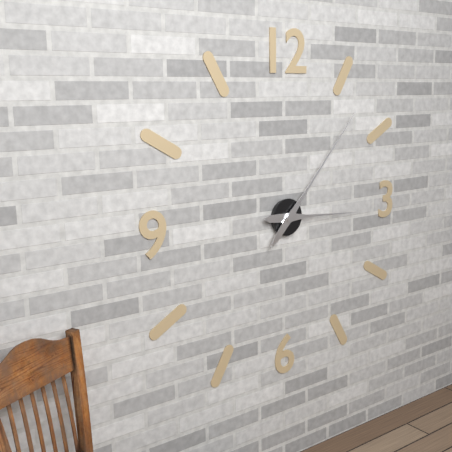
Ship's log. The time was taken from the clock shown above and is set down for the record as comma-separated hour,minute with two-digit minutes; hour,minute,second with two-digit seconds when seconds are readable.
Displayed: 3,07
